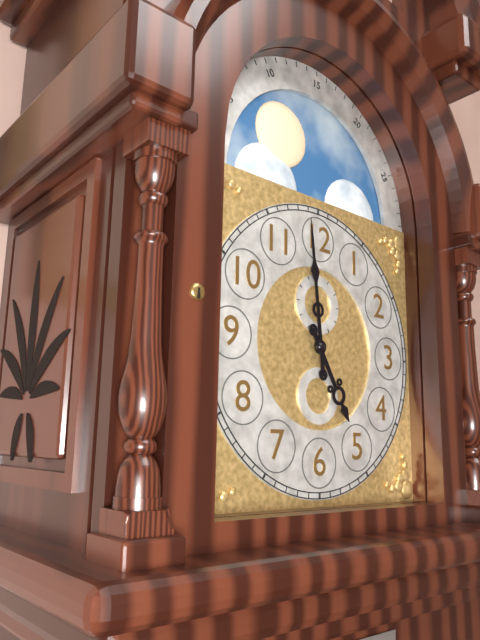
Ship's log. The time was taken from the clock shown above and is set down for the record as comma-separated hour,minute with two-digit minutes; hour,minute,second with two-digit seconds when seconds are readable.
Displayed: 4,59
